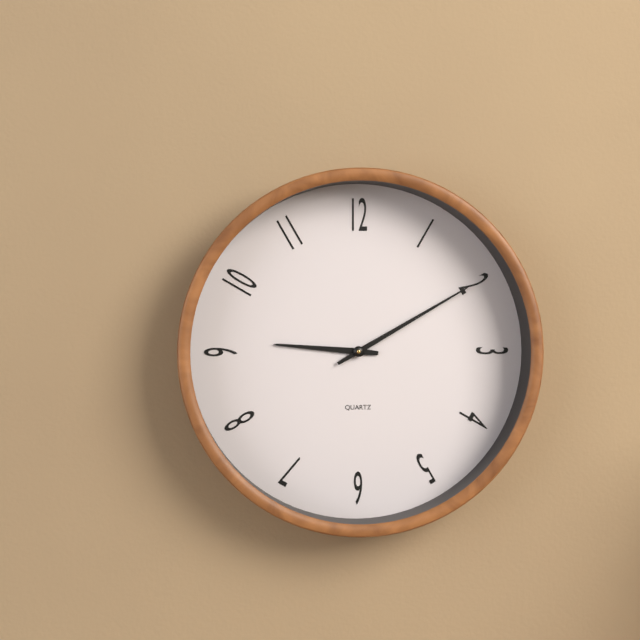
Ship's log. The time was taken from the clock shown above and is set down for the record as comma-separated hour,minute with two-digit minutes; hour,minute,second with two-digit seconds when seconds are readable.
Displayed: 9,10
